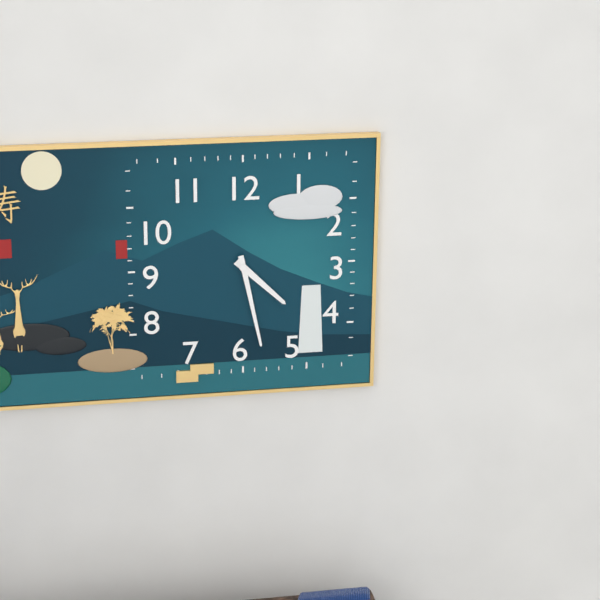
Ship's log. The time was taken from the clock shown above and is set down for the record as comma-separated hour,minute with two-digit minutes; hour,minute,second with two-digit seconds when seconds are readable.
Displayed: 4,28
